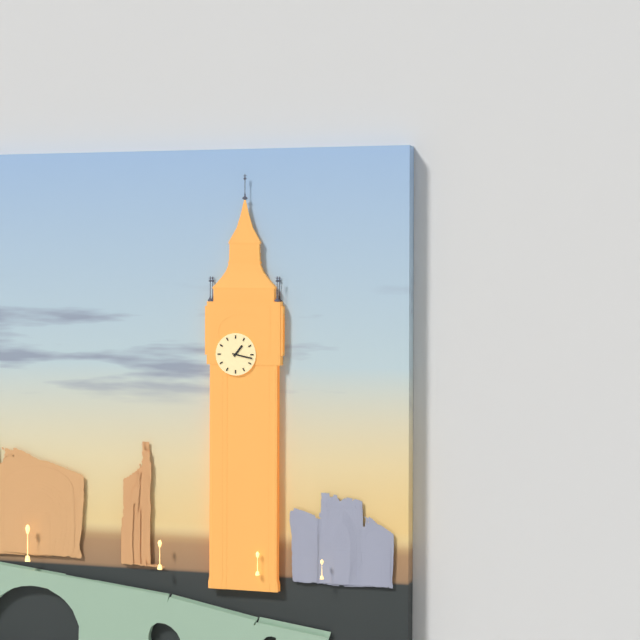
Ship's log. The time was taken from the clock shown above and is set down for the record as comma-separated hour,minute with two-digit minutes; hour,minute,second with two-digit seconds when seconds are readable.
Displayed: 1,17
